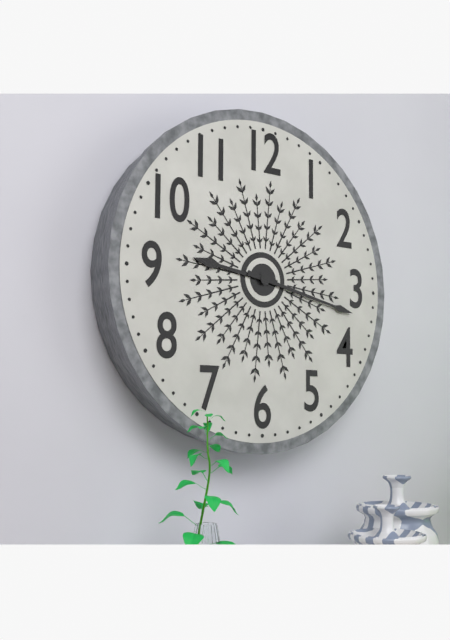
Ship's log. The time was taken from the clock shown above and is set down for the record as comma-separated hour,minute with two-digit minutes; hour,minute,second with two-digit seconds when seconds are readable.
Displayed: 9,17
